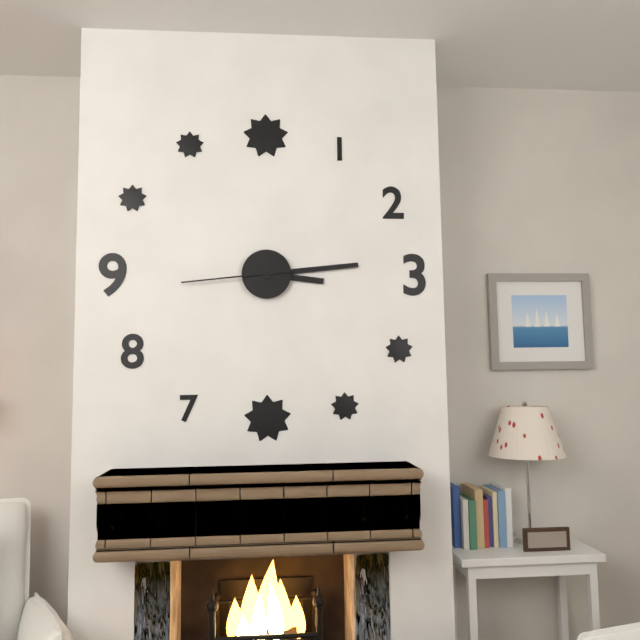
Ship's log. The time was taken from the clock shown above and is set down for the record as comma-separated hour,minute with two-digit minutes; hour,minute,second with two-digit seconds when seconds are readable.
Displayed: 3,14,44
